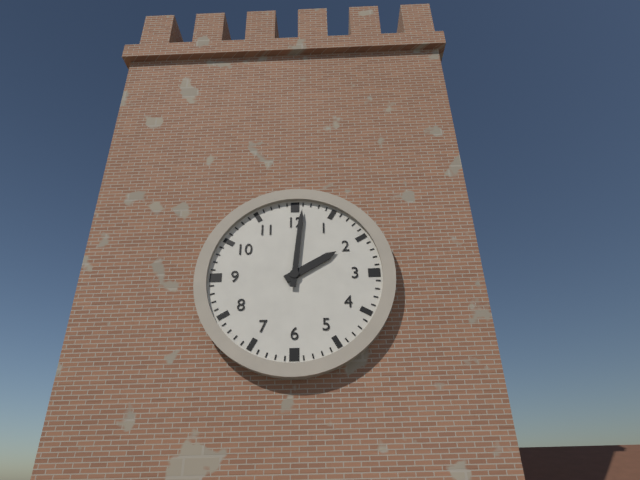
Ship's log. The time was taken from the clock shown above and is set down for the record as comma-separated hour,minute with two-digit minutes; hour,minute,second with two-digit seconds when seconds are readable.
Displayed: 2,01
